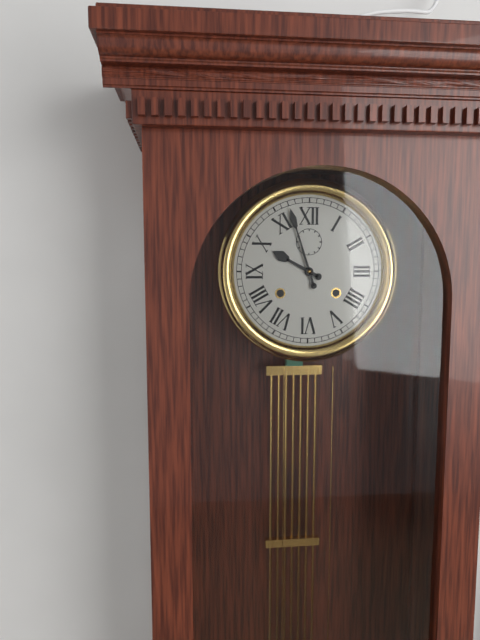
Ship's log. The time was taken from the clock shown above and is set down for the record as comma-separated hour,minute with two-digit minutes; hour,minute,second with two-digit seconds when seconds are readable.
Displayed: 9,57
